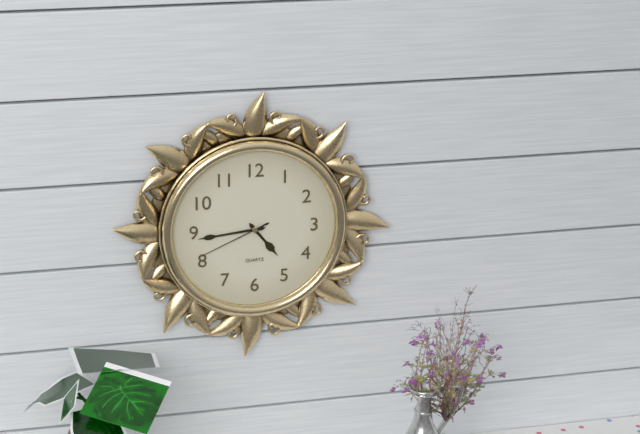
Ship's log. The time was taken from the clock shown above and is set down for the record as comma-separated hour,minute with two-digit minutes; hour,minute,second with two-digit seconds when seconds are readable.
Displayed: 4,44,41
